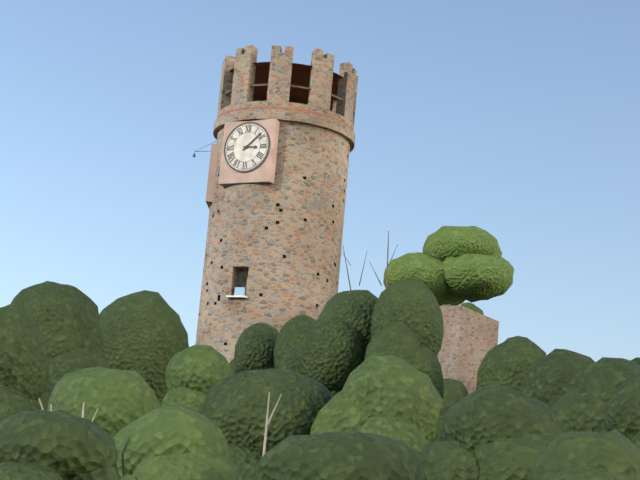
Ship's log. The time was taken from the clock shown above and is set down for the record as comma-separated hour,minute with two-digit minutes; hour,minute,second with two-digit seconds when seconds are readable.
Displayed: 3,08
